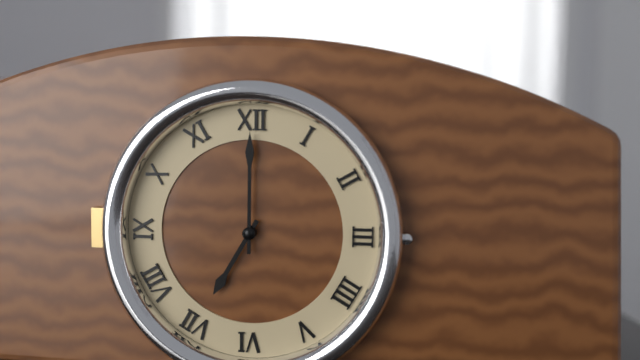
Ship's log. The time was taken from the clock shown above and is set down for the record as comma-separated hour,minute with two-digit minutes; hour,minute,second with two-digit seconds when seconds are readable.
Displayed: 7,00
